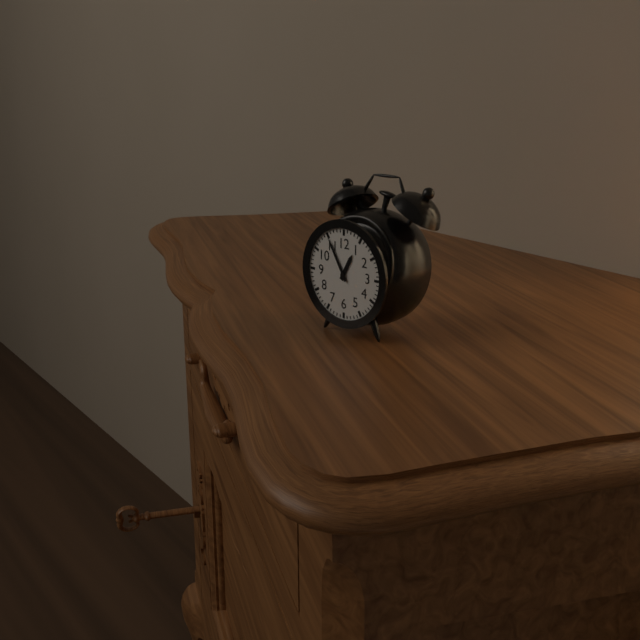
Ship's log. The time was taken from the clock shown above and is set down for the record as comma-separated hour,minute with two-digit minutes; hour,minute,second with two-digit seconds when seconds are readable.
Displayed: 12,55
